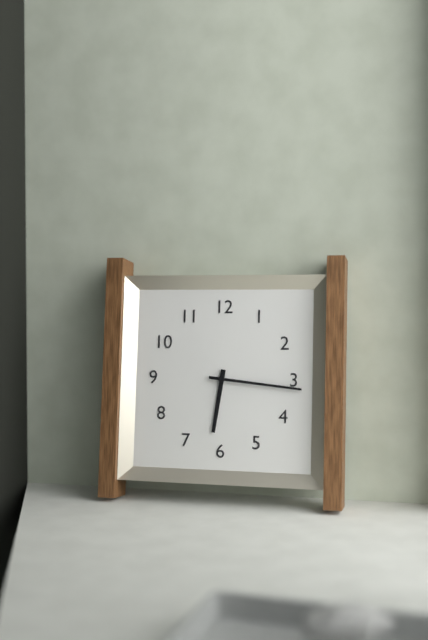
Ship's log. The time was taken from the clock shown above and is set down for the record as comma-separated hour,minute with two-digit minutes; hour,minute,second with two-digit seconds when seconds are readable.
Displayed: 6,16
